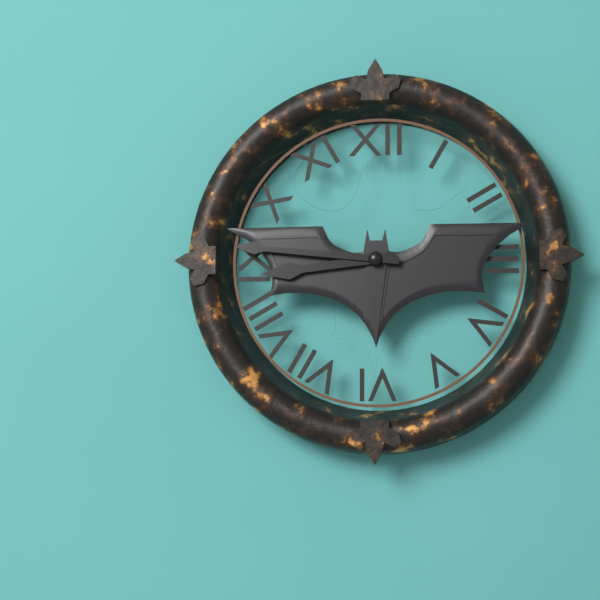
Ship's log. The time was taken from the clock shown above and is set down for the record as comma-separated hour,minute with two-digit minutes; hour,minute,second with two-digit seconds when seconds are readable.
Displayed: 8,46
